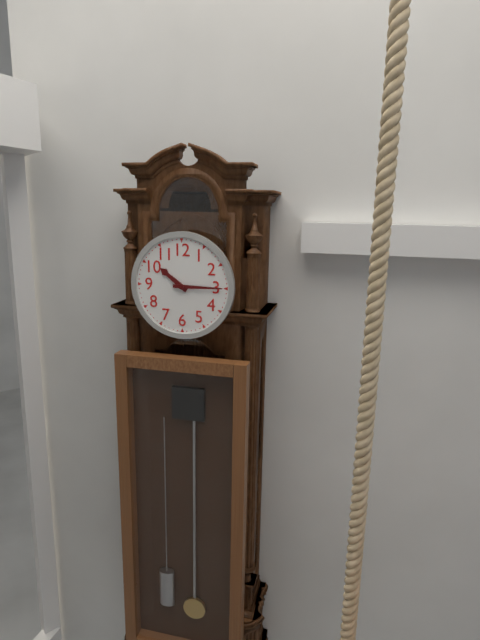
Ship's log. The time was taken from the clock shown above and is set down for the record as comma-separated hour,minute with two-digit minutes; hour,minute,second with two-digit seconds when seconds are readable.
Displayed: 10,15
